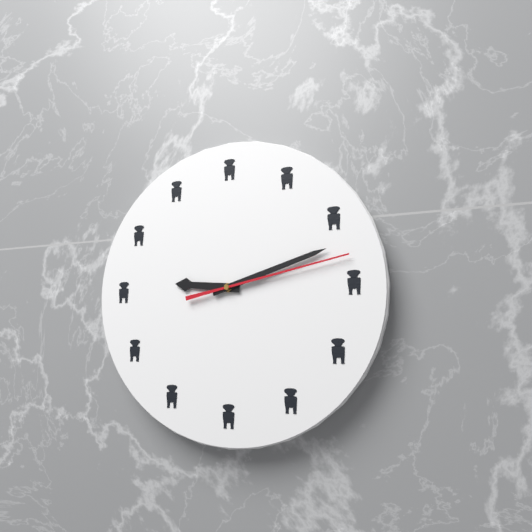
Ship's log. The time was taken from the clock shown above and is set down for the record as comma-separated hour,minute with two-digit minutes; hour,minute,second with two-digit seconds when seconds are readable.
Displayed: 9,12,13
